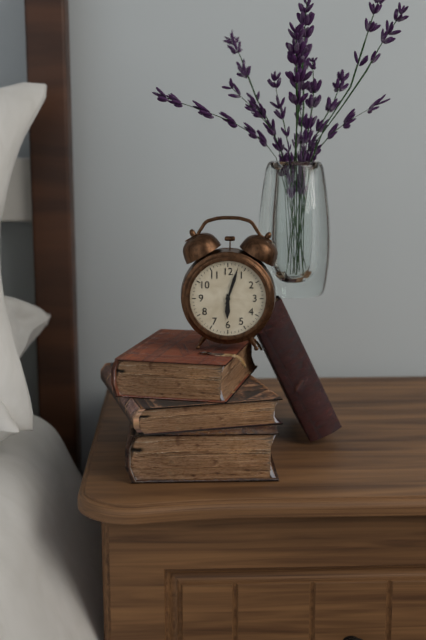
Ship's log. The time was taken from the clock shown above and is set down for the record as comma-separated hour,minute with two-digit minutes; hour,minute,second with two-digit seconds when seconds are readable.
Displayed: 6,03
